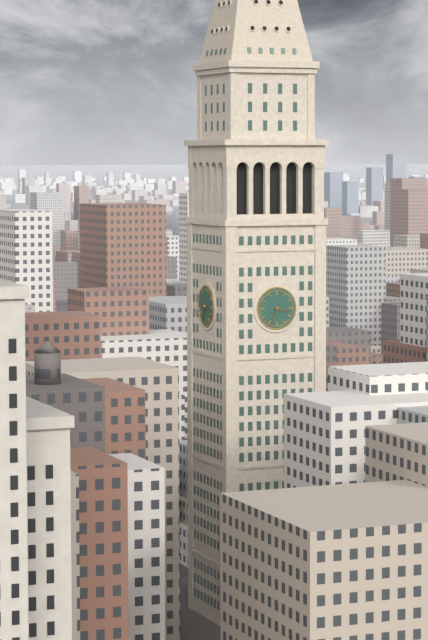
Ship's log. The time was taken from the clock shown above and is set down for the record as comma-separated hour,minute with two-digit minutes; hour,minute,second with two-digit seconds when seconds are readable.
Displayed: 3,34
